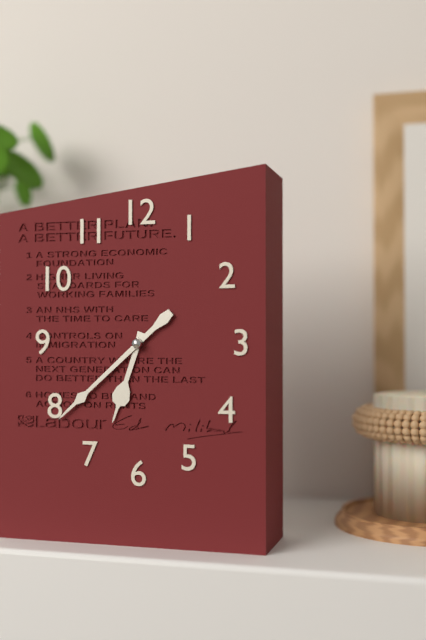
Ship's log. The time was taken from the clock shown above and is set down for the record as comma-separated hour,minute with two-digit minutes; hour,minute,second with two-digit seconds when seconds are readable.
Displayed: 6,38
